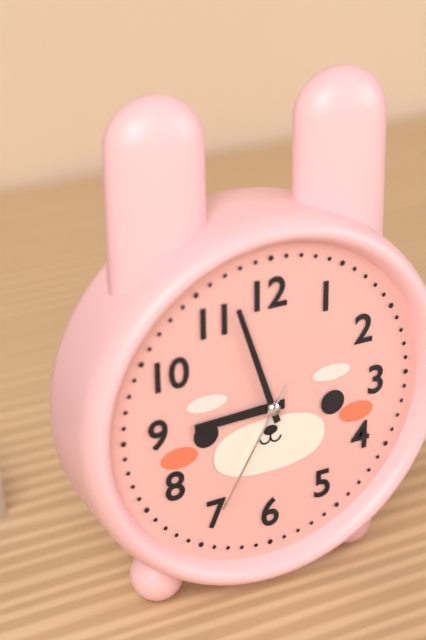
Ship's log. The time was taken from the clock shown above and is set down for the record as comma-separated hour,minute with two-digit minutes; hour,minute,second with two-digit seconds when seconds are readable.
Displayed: 8,57,35
